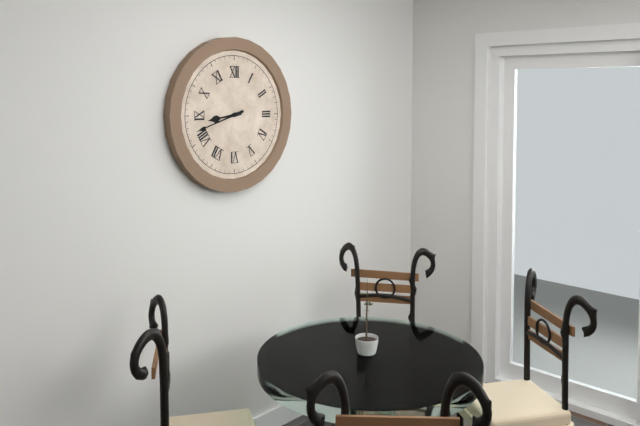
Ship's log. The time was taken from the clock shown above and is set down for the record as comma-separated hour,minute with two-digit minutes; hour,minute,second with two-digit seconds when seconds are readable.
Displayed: 8,42
